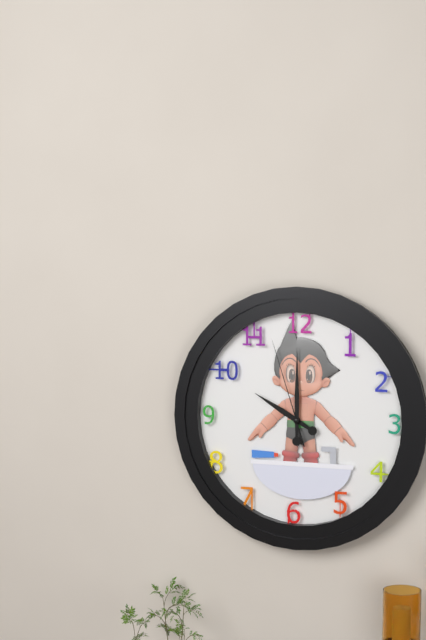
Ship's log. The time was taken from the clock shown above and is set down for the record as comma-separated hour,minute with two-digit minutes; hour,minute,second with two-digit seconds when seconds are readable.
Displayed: 10,00,57
